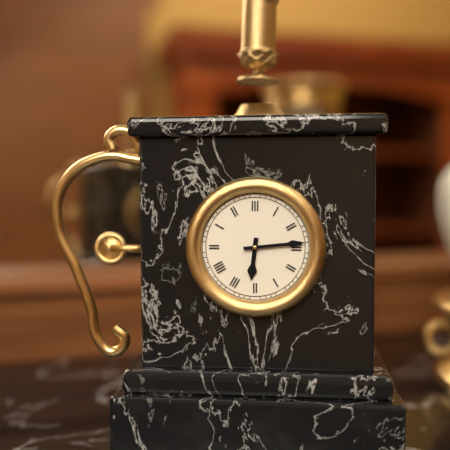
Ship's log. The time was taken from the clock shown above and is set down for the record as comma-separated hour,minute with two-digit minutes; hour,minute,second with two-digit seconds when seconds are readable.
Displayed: 6,14
